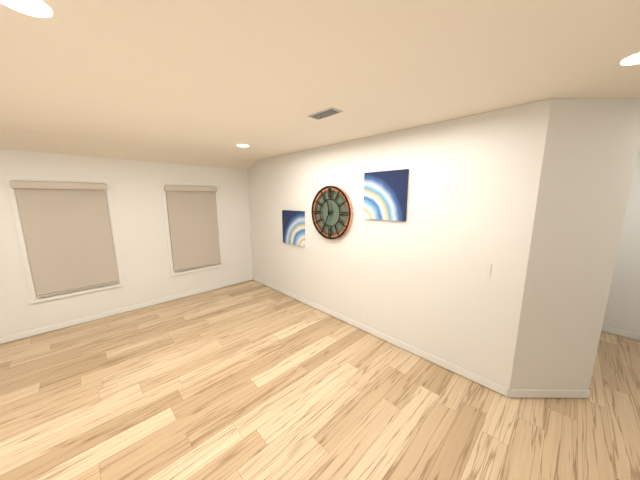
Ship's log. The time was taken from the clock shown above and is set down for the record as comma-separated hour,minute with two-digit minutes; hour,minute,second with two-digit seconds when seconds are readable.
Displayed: 11,34
